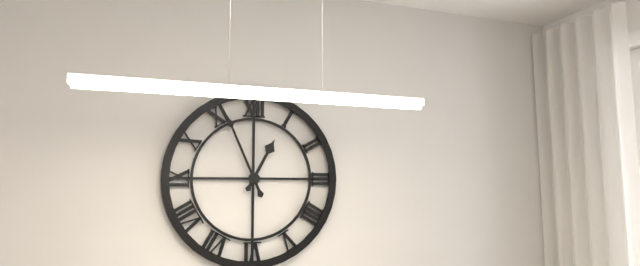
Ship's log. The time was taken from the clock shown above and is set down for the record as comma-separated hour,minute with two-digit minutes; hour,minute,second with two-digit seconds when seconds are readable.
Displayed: 12,56
